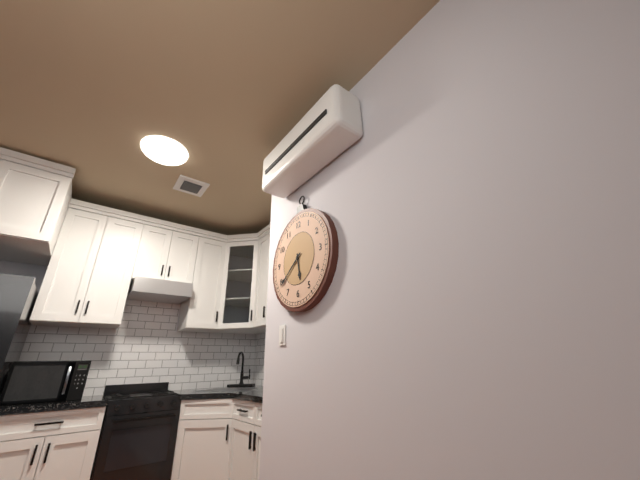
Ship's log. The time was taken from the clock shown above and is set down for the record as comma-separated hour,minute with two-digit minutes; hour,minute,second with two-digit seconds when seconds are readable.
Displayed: 5,39
